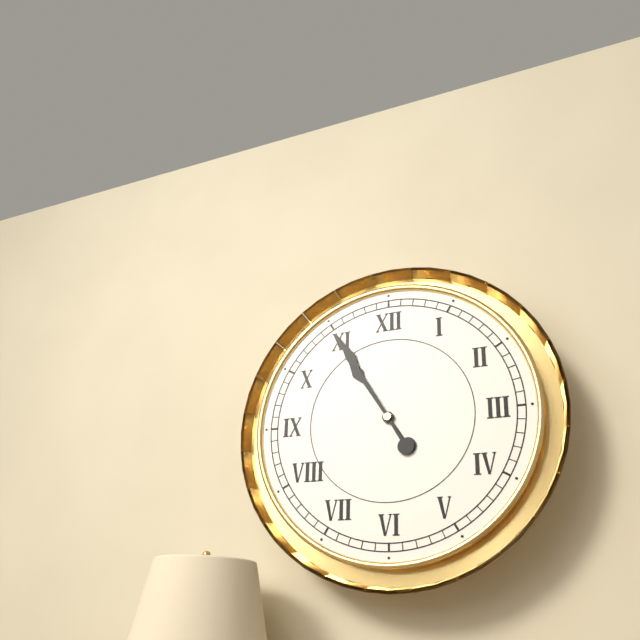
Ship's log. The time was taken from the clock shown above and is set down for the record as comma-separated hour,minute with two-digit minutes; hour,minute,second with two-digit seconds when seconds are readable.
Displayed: 10,55
